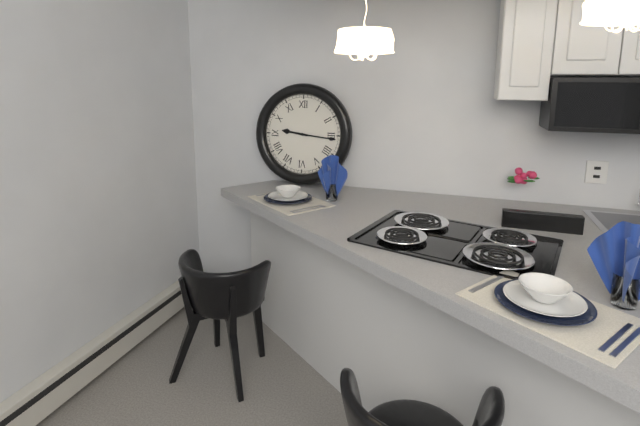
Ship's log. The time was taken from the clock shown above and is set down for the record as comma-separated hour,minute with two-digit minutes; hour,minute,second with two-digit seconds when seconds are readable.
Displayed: 9,16
